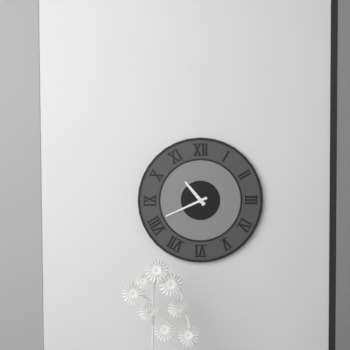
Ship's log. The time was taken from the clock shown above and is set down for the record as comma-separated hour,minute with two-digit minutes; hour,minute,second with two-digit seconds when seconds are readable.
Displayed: 10,41
